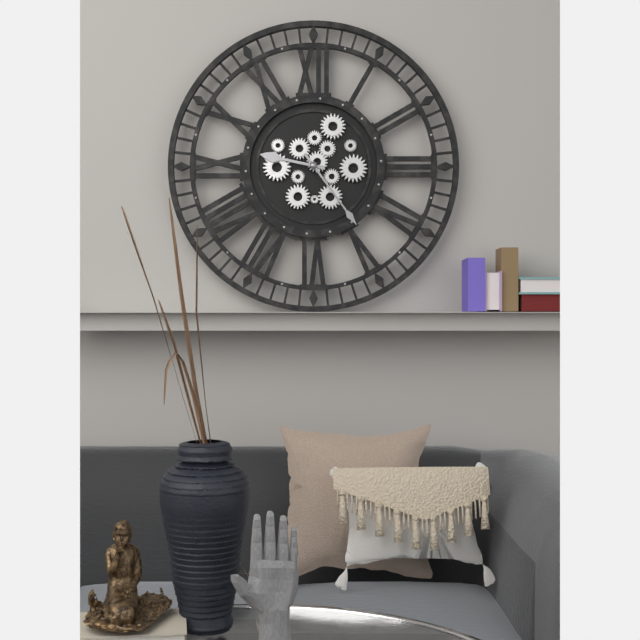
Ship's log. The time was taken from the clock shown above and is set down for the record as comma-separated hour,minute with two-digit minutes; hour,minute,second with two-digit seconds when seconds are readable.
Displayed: 9,24
